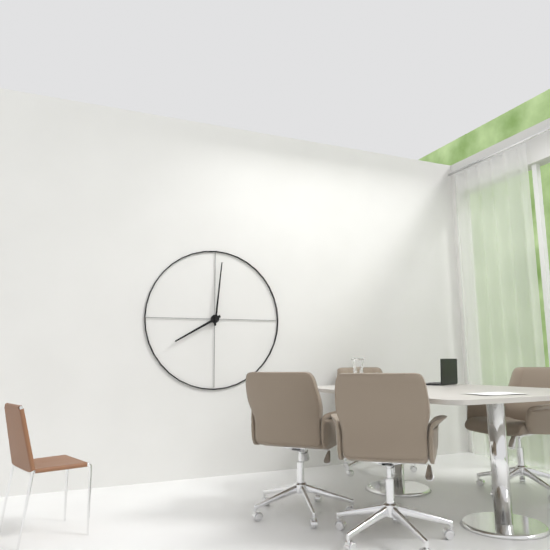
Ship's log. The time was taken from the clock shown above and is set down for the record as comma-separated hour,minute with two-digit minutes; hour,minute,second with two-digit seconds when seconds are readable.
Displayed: 8,01
